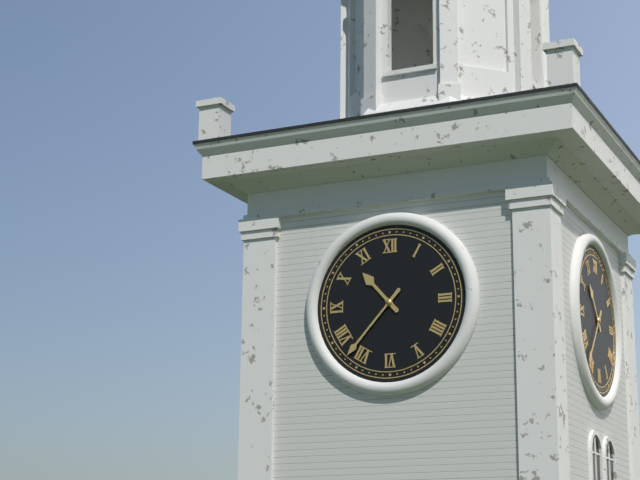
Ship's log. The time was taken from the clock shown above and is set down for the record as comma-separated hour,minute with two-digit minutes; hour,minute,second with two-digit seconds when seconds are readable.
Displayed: 10,37
